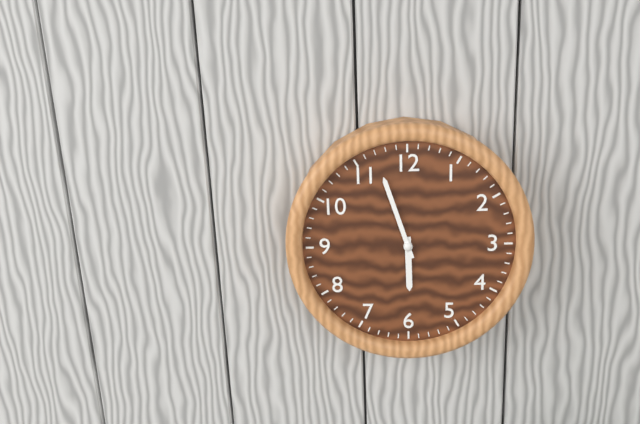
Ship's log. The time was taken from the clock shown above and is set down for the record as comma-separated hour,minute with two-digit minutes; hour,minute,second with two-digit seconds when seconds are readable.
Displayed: 5,57
